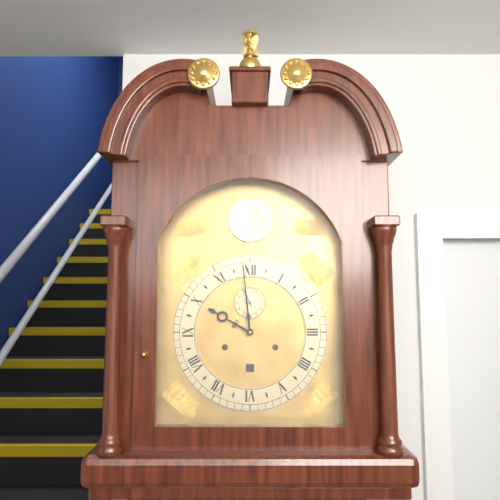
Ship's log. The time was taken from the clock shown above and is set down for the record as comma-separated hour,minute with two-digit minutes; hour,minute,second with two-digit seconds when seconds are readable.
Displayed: 9,59
